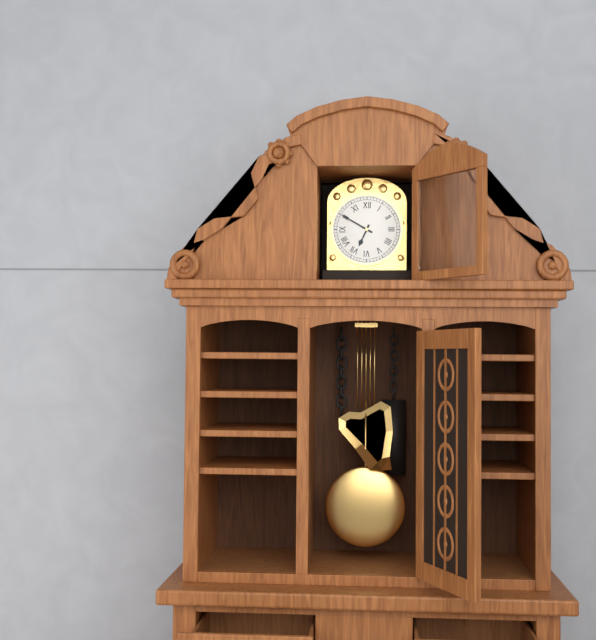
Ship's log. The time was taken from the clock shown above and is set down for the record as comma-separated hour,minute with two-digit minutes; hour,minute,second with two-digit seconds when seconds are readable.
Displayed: 6,50
